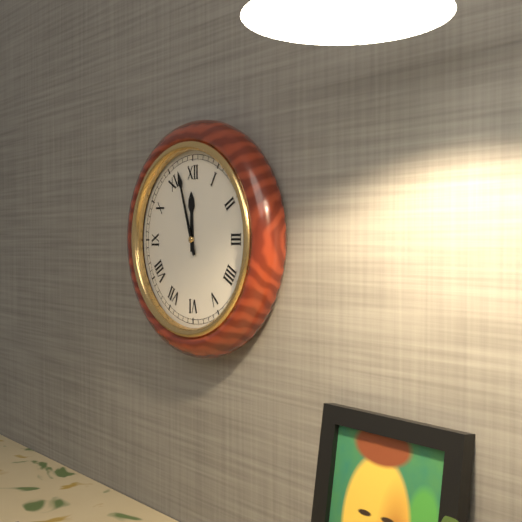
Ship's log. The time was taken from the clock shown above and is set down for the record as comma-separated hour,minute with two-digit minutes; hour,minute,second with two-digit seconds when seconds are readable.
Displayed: 11,57
